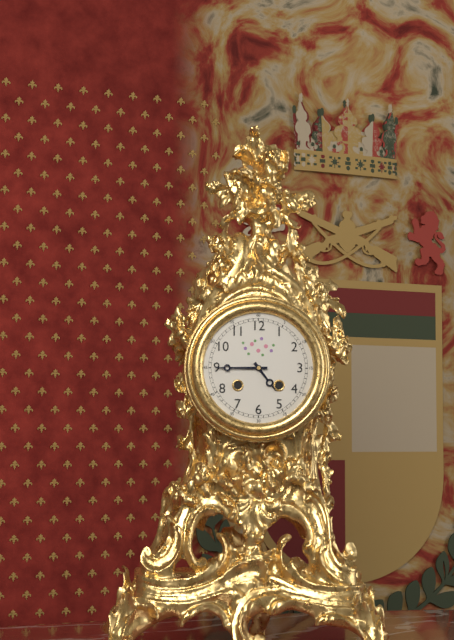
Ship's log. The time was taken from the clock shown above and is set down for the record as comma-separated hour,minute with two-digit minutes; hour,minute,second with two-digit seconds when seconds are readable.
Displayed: 4,45
